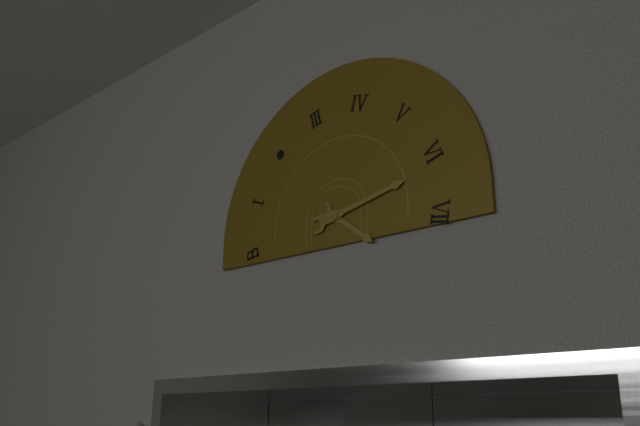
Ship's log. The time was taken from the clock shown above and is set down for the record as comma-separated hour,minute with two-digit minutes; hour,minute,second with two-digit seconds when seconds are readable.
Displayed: 4,13
